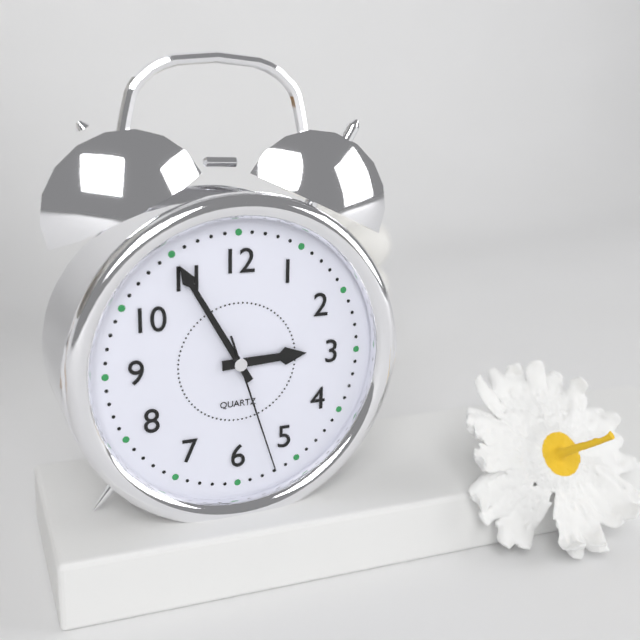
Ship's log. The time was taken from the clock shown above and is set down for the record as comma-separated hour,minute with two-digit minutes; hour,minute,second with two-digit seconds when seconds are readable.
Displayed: 2,55,27
